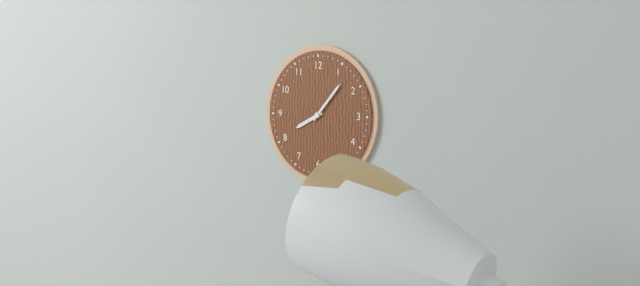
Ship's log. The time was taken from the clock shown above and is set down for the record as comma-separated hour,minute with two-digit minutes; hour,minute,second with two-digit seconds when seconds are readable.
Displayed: 8,07
